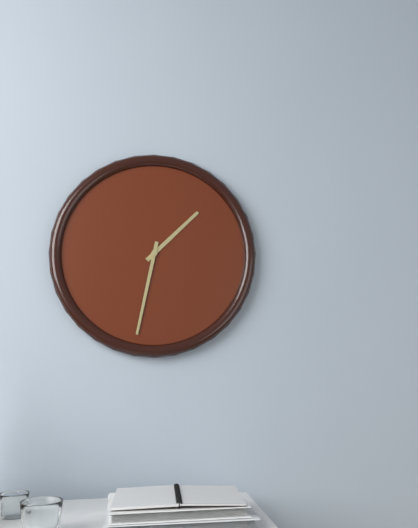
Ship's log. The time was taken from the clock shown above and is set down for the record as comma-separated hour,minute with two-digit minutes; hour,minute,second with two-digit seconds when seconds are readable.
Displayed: 1,32
